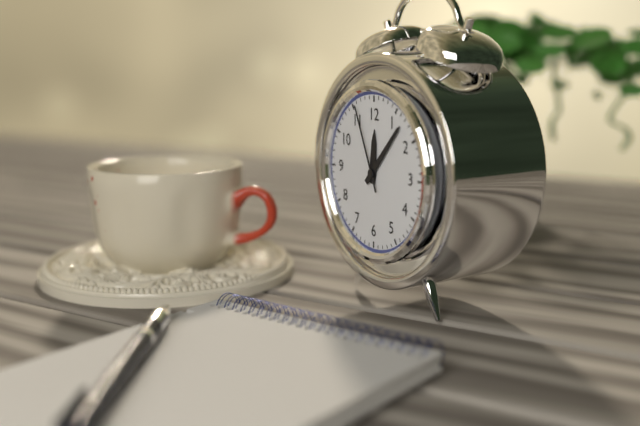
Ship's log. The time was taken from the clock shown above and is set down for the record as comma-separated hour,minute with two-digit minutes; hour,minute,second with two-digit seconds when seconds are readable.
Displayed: 12,07,56
